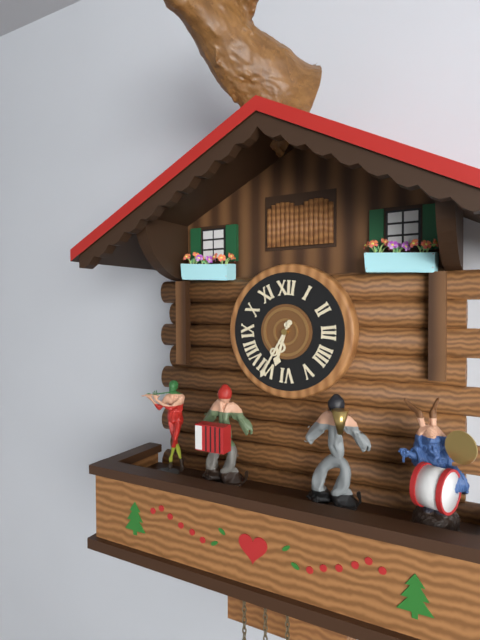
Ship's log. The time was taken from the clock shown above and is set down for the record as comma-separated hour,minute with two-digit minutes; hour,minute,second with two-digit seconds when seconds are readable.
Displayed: 6,35
